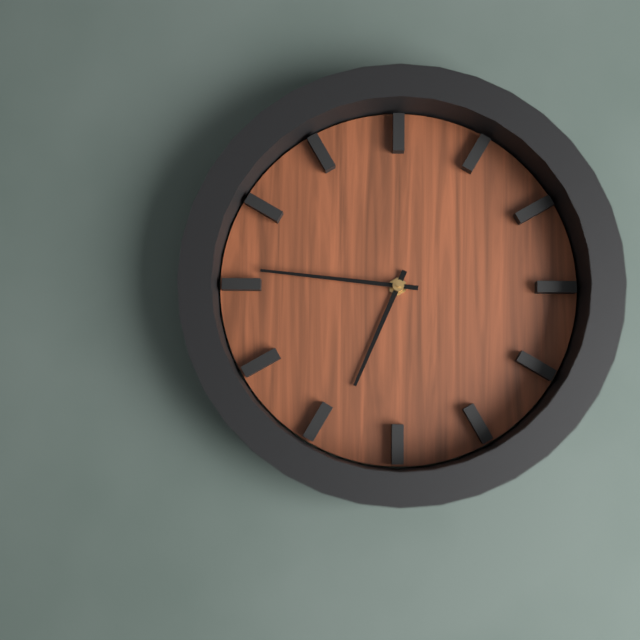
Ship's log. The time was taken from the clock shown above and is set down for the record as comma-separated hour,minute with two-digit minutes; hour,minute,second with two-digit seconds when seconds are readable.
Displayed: 6,46
